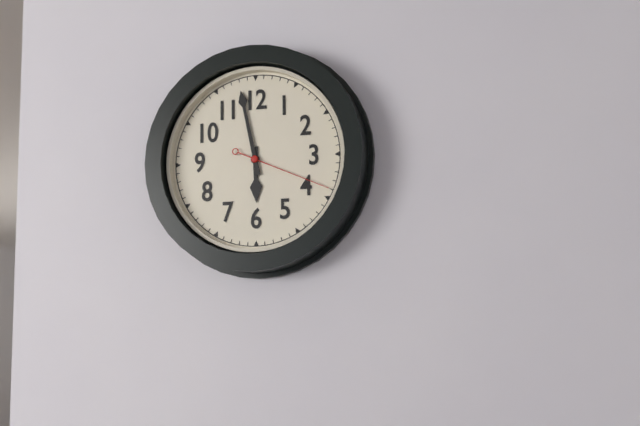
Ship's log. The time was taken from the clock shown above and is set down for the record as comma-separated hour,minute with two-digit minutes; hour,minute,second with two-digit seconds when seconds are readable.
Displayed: 5,58,19
